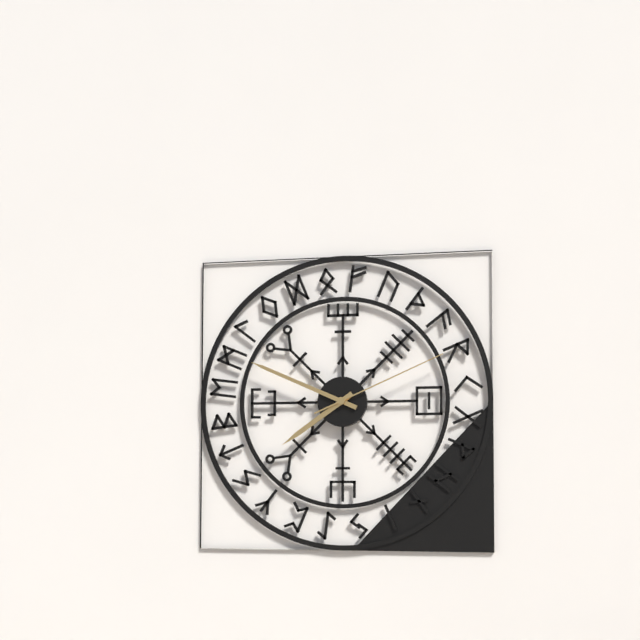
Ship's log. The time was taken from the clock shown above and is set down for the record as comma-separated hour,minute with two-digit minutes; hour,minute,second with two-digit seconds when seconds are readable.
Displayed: 7,49,11
